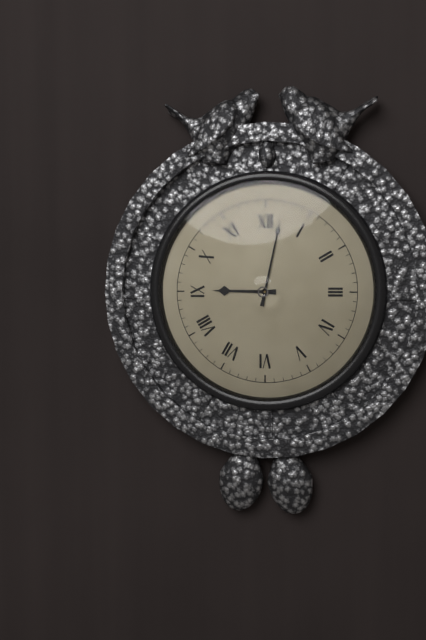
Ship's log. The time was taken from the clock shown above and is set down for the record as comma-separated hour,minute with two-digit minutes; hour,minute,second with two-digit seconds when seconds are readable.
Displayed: 9,02
